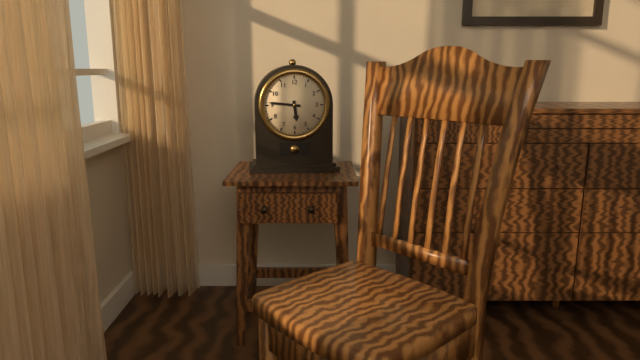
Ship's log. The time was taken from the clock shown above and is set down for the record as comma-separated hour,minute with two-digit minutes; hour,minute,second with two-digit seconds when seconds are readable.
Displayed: 5,46
